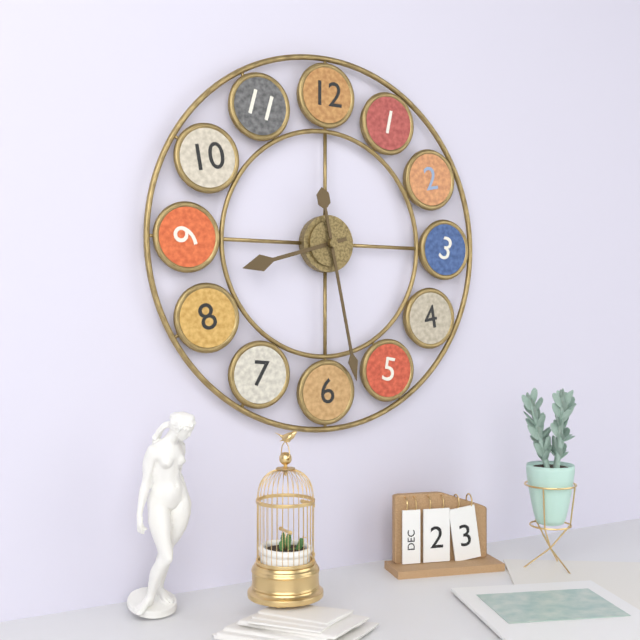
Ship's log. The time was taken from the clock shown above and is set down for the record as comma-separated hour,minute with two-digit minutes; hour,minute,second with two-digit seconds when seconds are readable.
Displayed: 8,28
